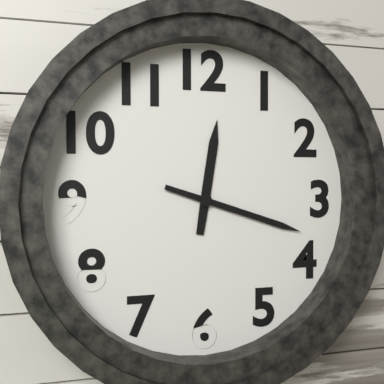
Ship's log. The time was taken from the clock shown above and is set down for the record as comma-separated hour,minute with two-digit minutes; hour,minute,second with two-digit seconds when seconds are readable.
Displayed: 12,18
